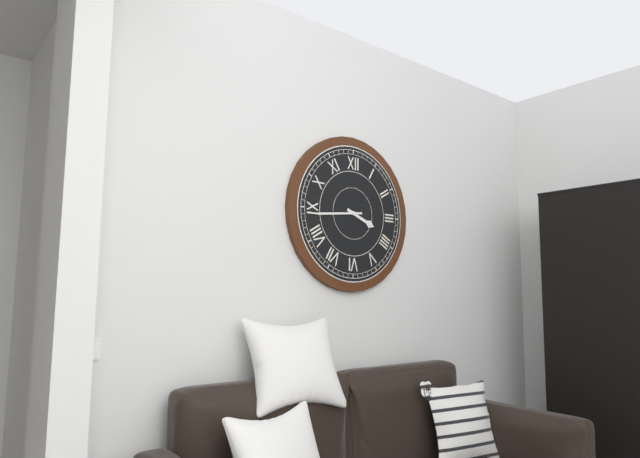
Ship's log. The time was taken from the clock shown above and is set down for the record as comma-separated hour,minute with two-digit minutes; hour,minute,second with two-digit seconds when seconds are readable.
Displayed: 3,44
